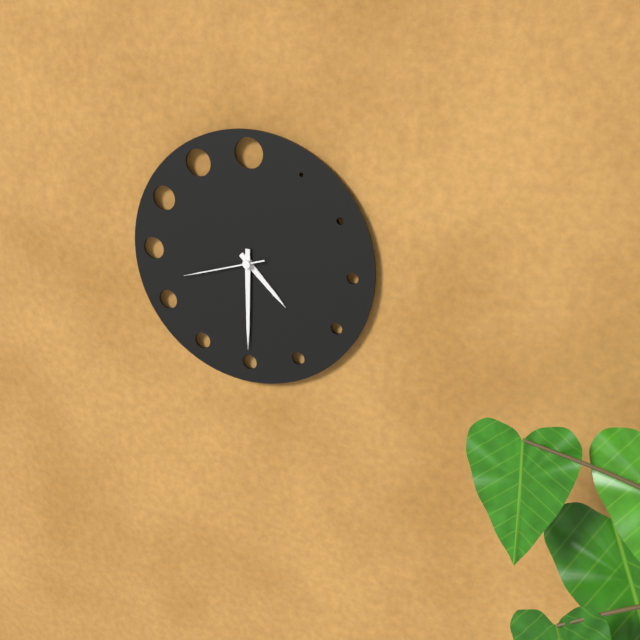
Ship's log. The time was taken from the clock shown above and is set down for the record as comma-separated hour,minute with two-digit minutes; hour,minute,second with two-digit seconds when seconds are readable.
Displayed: 4,30,42
